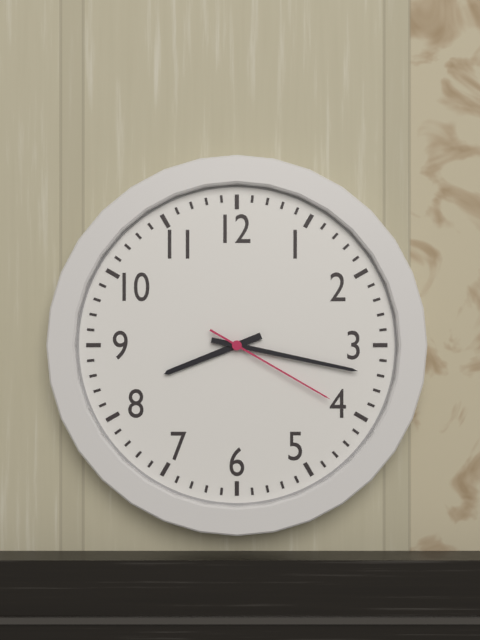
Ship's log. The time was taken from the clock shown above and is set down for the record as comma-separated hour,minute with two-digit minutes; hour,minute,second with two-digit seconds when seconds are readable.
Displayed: 8,17,20
